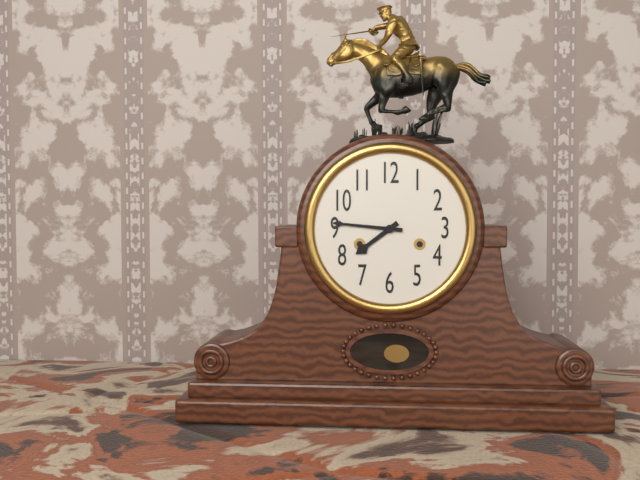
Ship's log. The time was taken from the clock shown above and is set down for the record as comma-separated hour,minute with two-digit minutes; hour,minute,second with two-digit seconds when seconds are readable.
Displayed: 7,46
